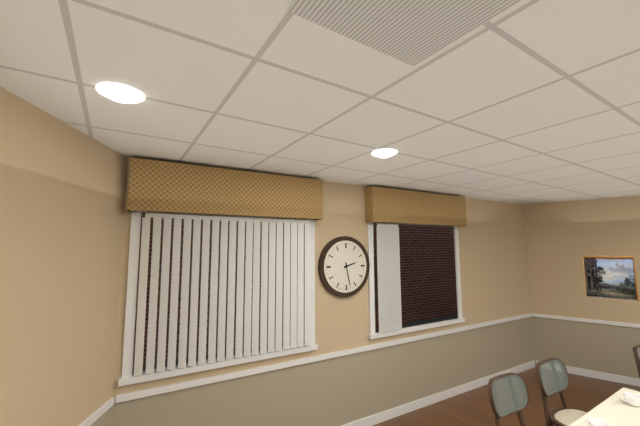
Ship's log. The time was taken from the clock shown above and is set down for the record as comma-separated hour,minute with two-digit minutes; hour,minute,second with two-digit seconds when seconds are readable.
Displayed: 2,28
